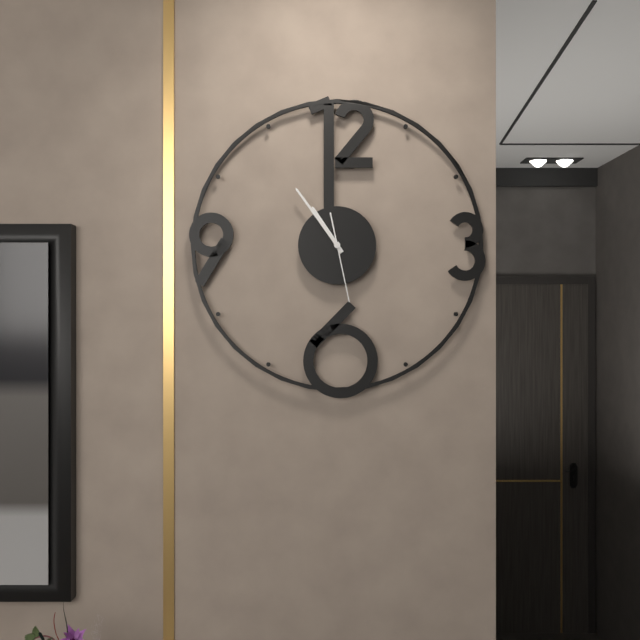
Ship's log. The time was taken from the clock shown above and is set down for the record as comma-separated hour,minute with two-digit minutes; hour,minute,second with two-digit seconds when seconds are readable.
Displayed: 10,54,28
